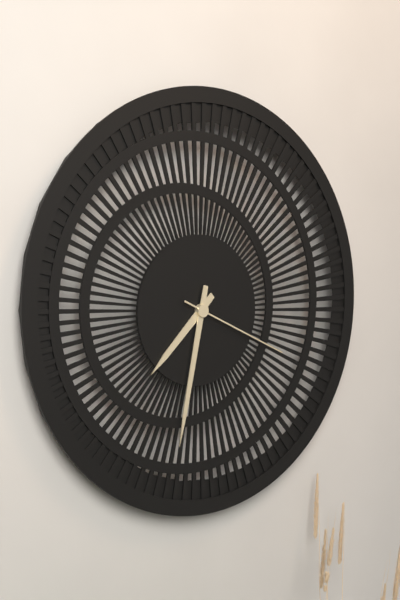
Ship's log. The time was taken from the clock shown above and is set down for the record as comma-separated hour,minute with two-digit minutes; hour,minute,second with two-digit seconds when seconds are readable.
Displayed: 7,32,19
